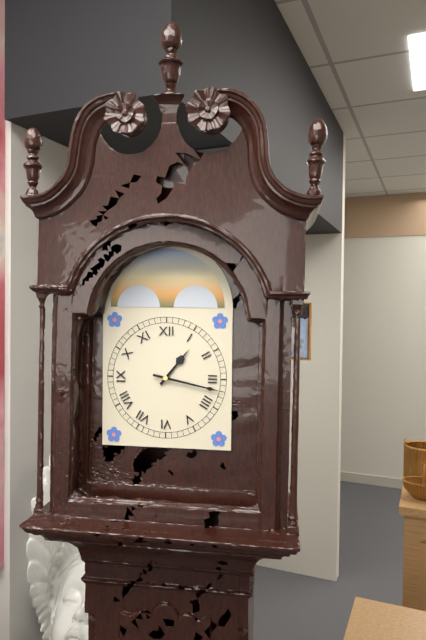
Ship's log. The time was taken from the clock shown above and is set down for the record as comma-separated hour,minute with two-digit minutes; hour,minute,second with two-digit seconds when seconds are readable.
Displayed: 1,17
